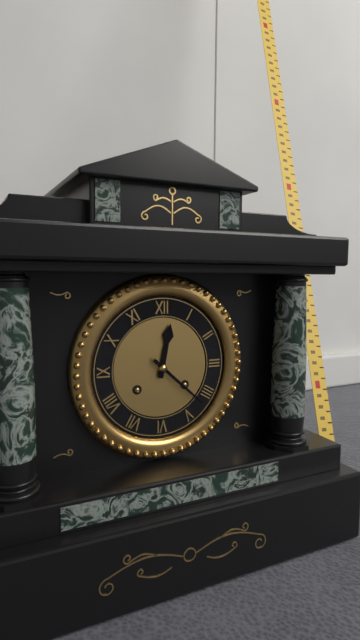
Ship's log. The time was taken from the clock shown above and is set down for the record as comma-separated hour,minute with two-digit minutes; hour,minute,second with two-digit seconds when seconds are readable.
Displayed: 12,22
